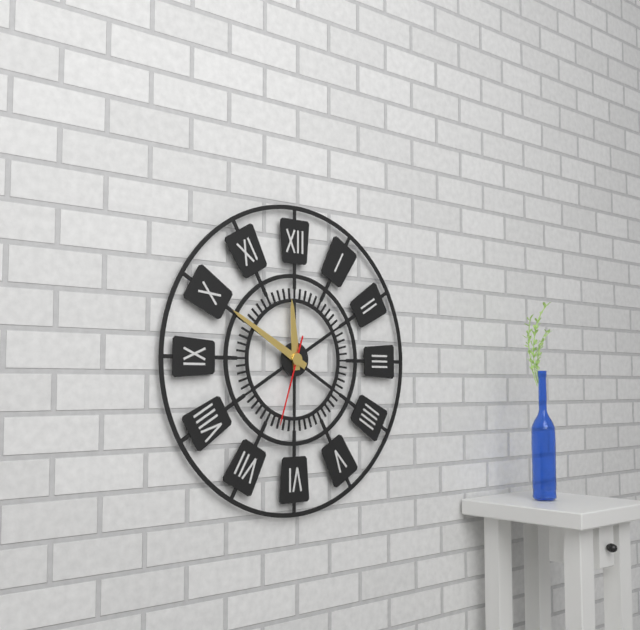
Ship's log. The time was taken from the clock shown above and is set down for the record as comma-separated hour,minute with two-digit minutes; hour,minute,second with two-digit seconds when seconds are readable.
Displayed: 11,50,33
